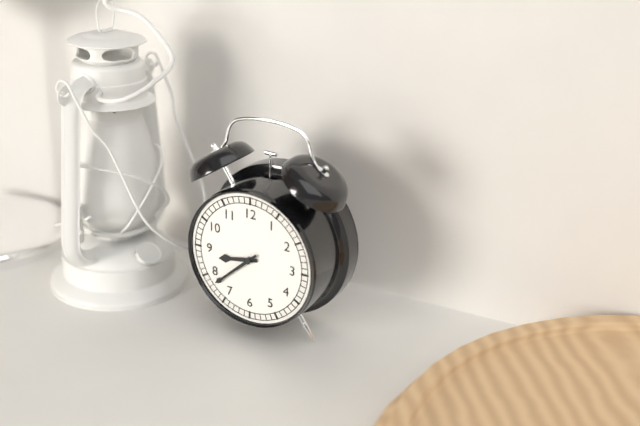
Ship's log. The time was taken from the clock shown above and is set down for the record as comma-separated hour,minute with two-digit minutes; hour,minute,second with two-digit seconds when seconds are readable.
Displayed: 8,38
